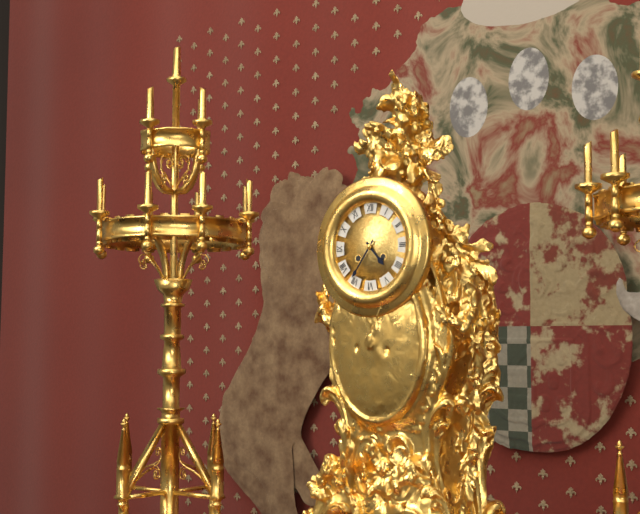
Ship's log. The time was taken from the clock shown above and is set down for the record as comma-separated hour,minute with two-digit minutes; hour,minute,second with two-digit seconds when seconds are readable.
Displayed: 4,36
